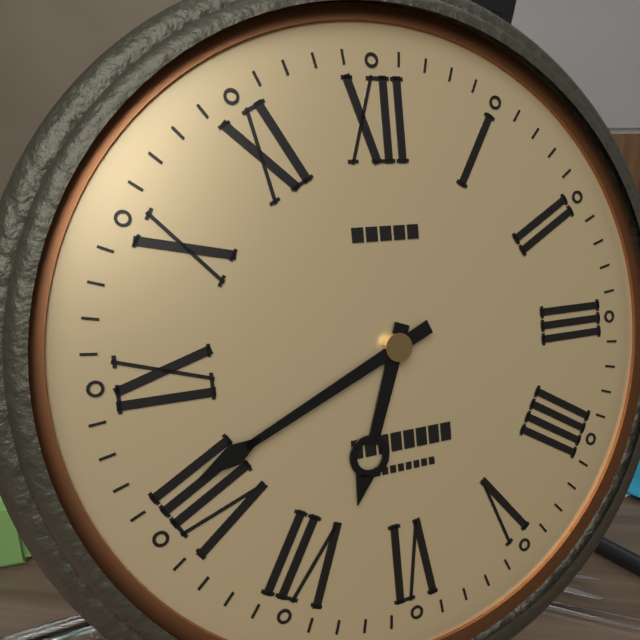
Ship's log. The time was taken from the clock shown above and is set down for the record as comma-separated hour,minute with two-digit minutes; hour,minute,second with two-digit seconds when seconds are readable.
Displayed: 6,41
